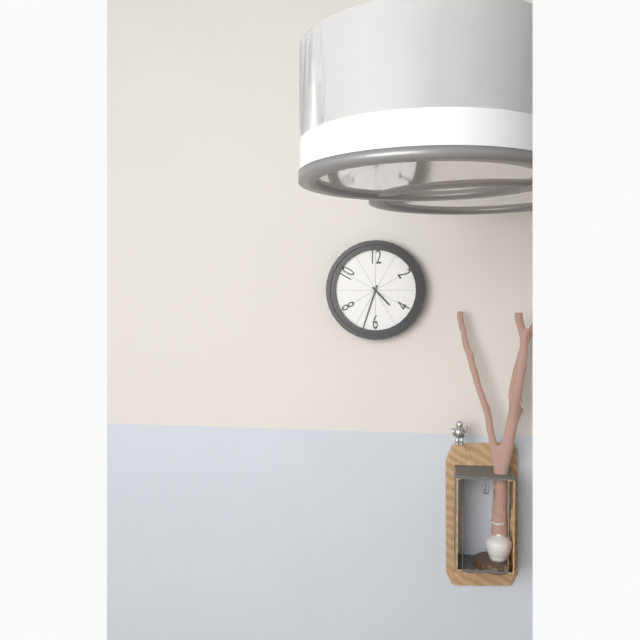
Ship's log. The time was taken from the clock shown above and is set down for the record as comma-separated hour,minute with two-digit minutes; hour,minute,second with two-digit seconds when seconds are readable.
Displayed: 4,33
